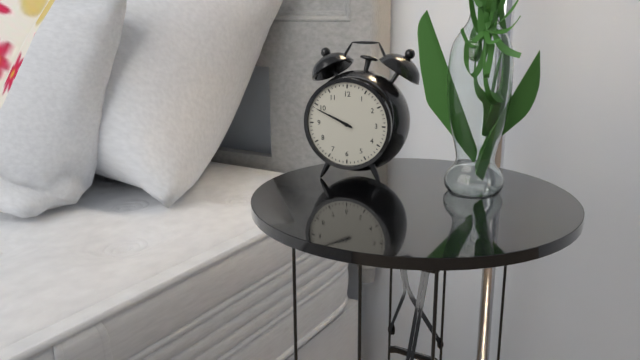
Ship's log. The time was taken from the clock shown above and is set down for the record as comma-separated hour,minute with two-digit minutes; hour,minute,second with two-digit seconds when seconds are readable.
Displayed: 9,49
